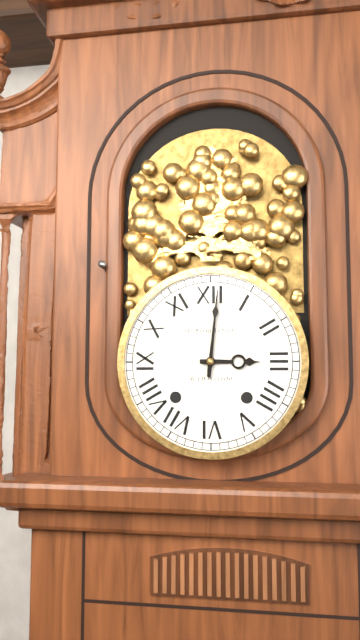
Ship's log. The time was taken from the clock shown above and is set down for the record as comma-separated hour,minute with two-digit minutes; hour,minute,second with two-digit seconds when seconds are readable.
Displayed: 3,01
